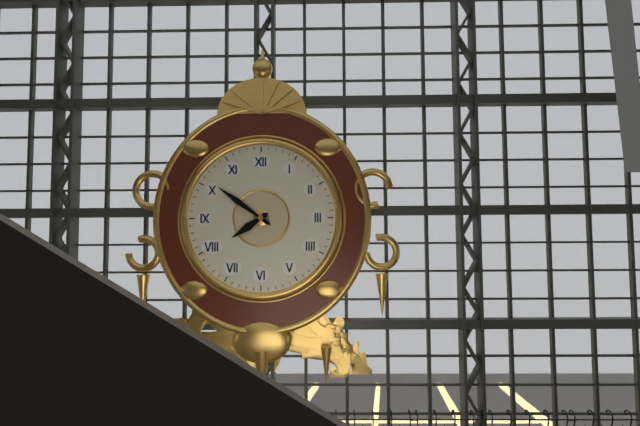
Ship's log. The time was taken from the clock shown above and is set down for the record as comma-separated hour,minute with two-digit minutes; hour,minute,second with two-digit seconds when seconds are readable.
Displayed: 7,51
